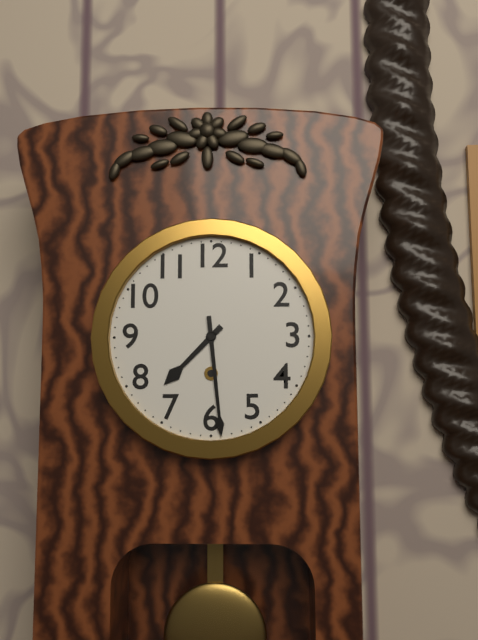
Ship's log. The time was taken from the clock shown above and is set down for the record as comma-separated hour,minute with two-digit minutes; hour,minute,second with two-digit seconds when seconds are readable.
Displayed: 7,29
